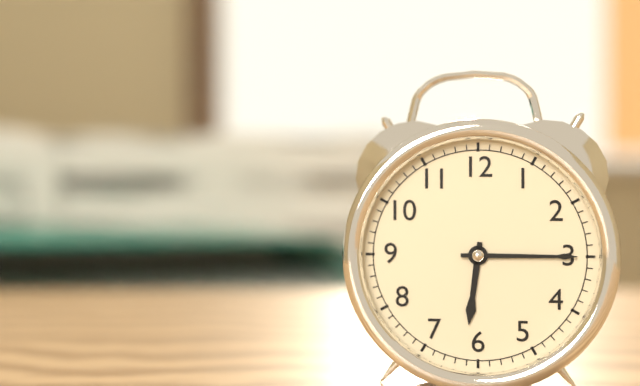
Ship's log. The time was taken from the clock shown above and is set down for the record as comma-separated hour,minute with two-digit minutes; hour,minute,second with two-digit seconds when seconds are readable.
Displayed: 6,15
